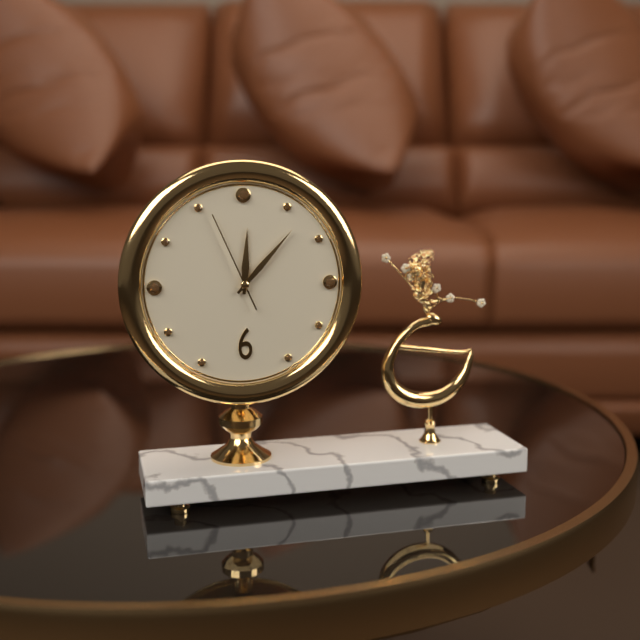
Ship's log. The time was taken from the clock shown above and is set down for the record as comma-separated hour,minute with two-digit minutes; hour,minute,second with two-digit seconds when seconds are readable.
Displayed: 12,07,56
